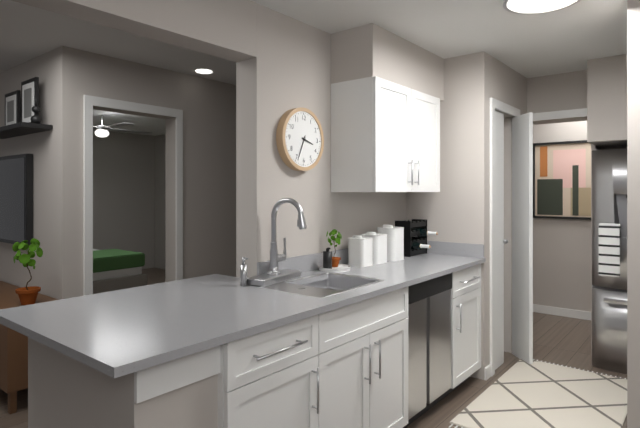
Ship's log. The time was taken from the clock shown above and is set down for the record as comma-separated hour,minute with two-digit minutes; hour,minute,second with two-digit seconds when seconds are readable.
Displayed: 3,34
